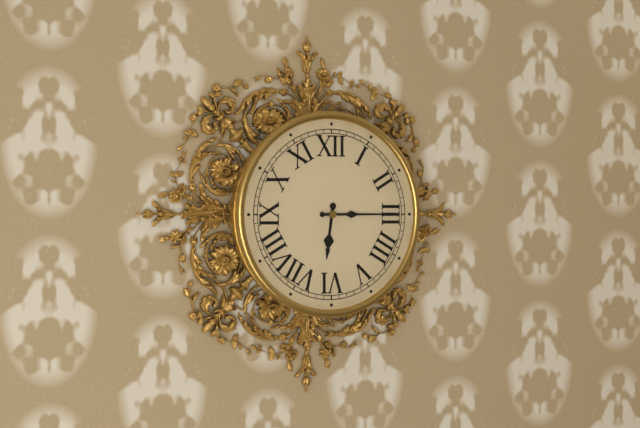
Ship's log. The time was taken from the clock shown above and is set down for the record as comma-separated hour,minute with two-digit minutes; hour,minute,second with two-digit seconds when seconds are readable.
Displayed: 6,15
